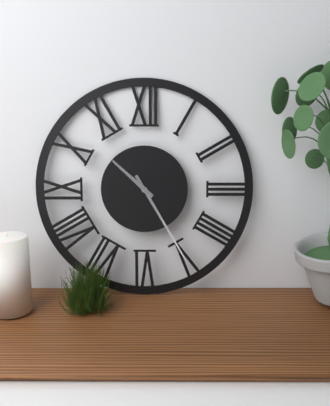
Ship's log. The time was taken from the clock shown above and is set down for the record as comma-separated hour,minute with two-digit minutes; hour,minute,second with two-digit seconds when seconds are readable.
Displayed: 10,25
